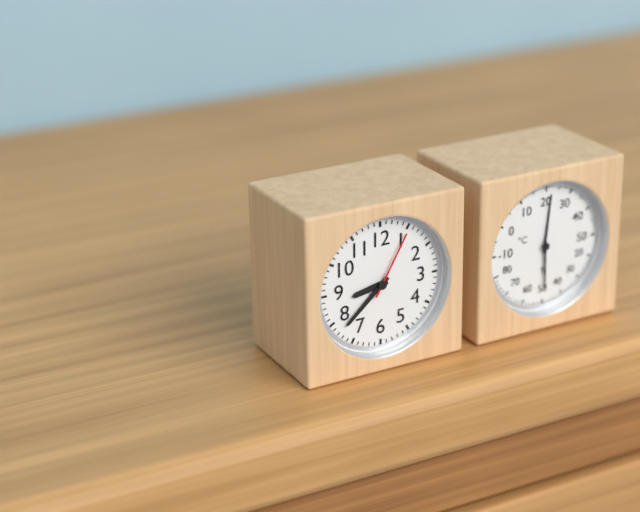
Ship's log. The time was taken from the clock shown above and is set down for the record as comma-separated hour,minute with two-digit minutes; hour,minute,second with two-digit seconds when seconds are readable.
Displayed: 8,38,05
